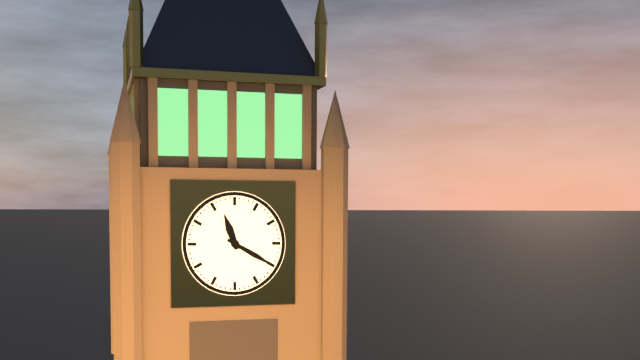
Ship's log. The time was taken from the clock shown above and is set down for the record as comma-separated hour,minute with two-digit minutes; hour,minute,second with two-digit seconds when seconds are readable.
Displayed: 11,20
